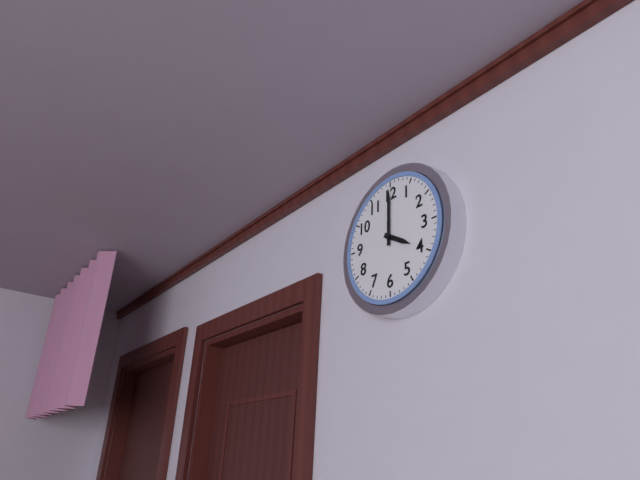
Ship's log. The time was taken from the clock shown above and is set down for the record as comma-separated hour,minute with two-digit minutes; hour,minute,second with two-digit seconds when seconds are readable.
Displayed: 4,00
